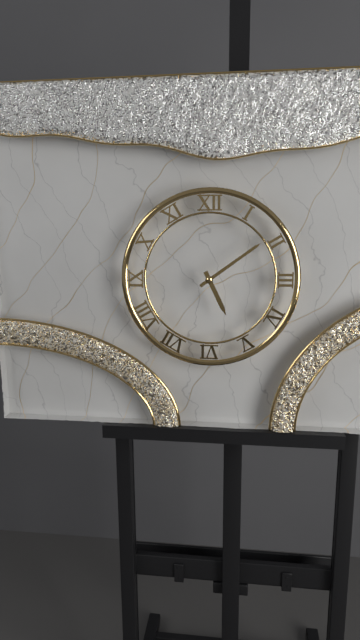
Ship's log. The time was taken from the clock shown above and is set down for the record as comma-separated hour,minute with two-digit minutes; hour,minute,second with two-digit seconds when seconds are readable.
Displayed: 5,09
